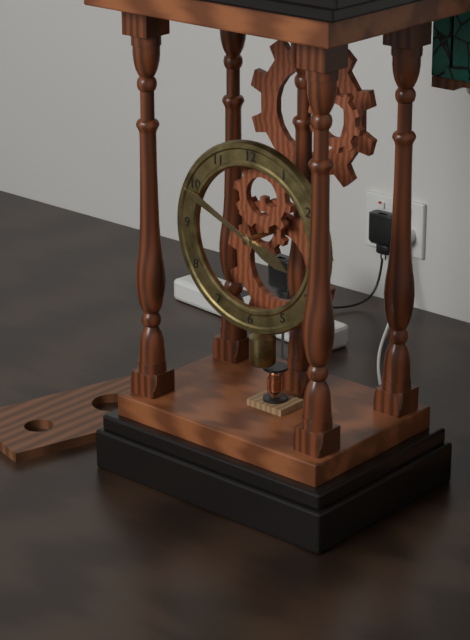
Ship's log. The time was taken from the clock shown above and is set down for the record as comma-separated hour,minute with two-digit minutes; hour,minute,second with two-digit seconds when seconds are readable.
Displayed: 3,49
